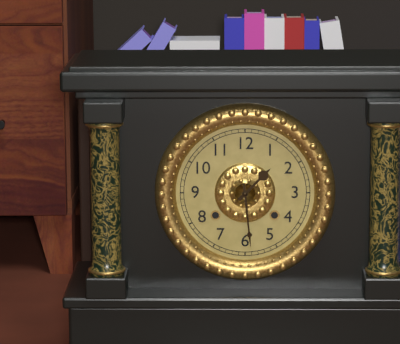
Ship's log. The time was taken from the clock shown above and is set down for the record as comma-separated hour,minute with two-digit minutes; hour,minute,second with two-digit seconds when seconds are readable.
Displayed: 1,29
